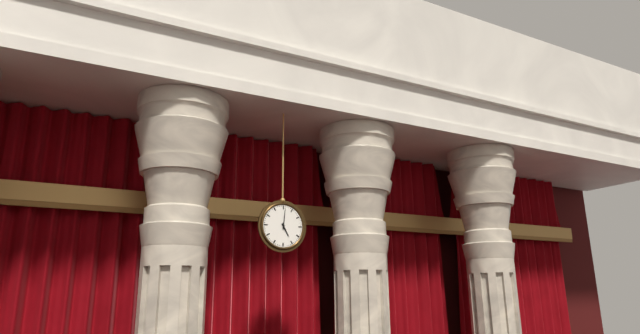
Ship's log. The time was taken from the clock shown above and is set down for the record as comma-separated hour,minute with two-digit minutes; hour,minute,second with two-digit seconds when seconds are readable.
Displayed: 5,01
